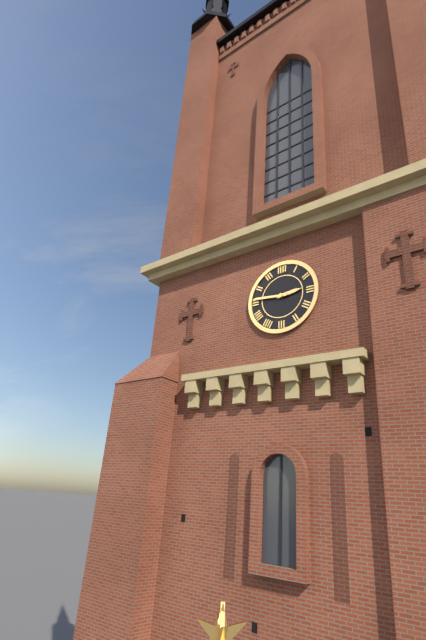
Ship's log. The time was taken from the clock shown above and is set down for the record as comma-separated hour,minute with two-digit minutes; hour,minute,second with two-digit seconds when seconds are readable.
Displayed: 2,46
